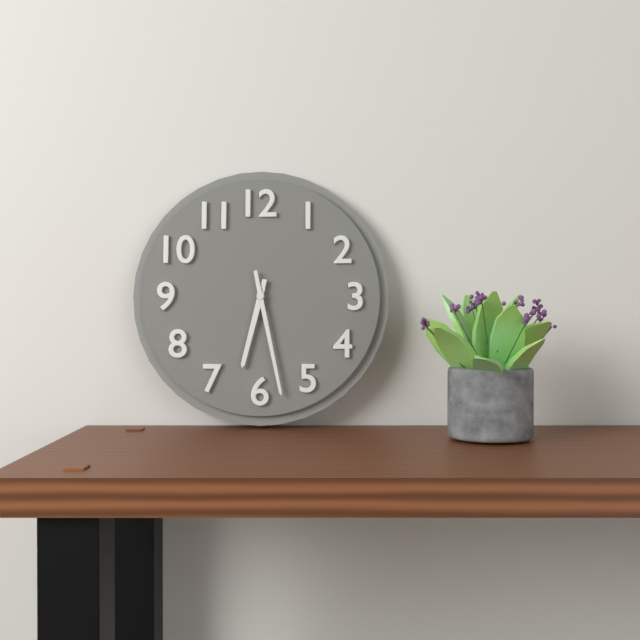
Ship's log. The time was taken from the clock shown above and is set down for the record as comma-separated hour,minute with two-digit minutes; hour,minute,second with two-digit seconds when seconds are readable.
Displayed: 6,28
